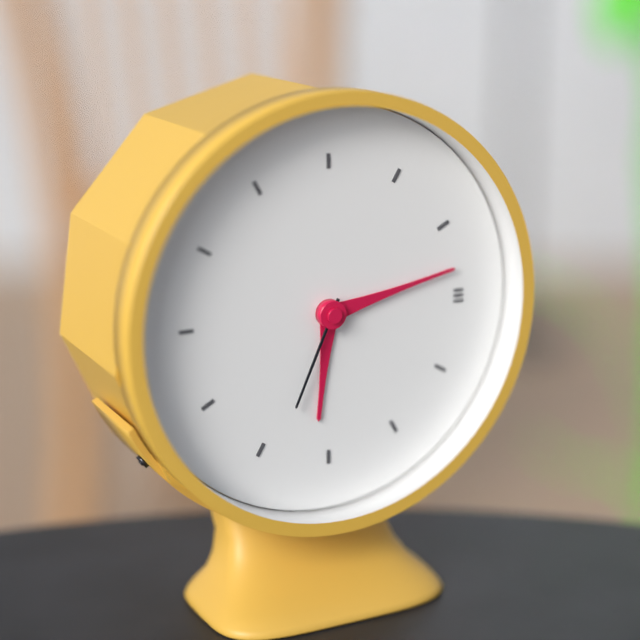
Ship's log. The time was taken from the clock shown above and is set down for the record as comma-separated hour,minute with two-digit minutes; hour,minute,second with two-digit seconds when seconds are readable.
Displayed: 6,13,34
